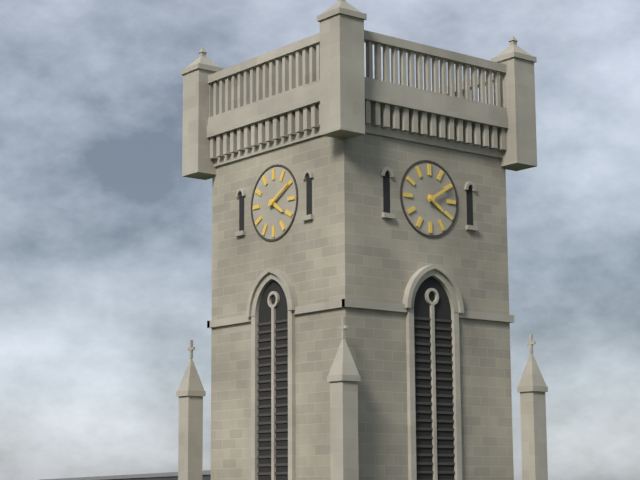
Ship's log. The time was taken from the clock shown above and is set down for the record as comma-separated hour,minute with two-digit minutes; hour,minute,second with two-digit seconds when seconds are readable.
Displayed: 4,10
